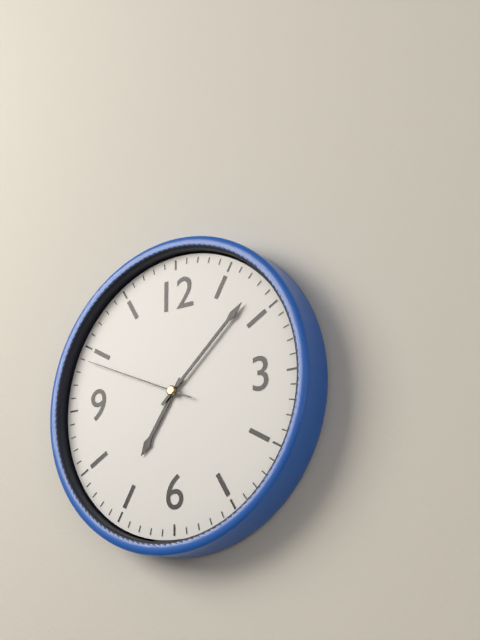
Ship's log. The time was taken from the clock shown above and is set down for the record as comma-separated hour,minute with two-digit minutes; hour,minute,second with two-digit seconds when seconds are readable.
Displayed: 7,08,49
